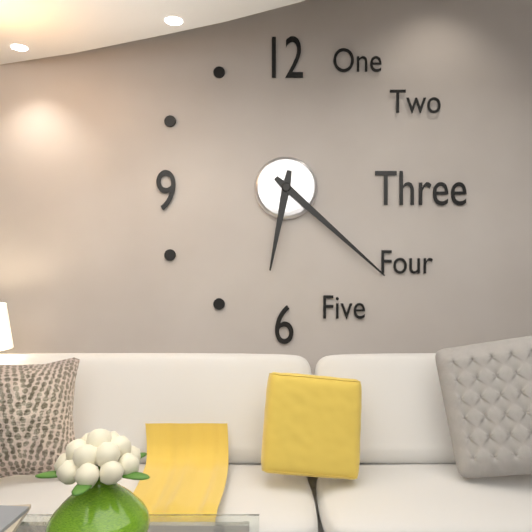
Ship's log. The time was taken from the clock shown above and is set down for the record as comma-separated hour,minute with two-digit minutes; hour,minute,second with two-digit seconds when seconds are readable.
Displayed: 6,22
